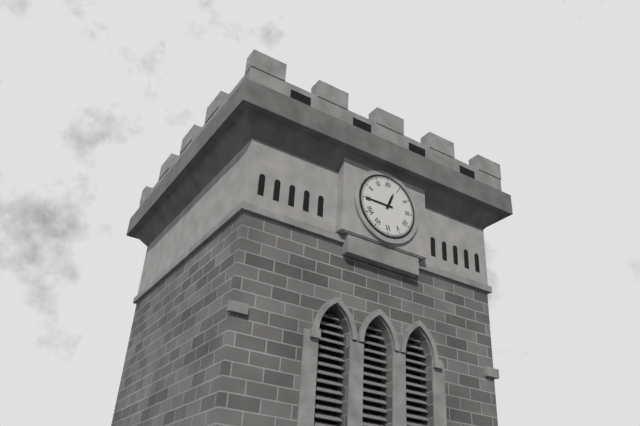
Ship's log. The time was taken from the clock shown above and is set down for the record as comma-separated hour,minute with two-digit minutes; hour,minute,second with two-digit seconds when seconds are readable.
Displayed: 12,45
